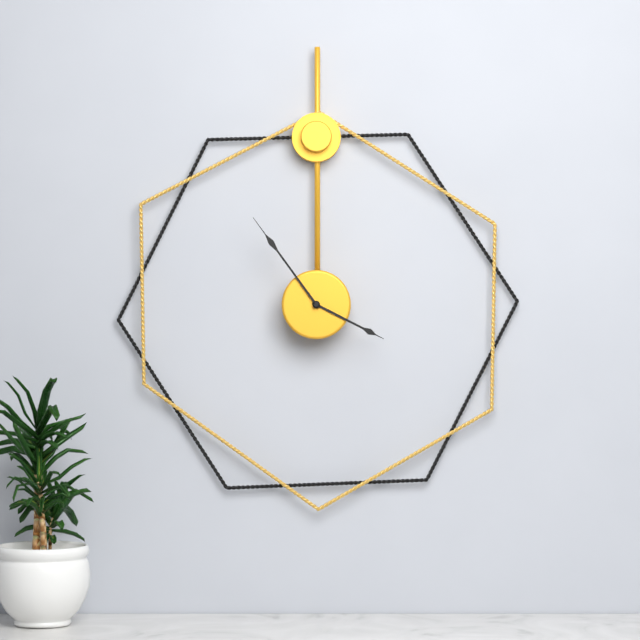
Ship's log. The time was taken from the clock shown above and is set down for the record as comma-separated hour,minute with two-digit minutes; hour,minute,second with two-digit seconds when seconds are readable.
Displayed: 3,54
